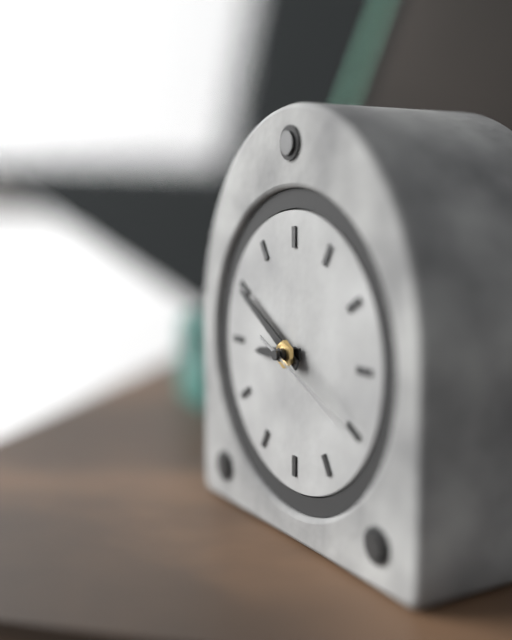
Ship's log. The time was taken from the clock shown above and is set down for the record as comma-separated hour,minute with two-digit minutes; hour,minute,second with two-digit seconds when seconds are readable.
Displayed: 8,50,19
